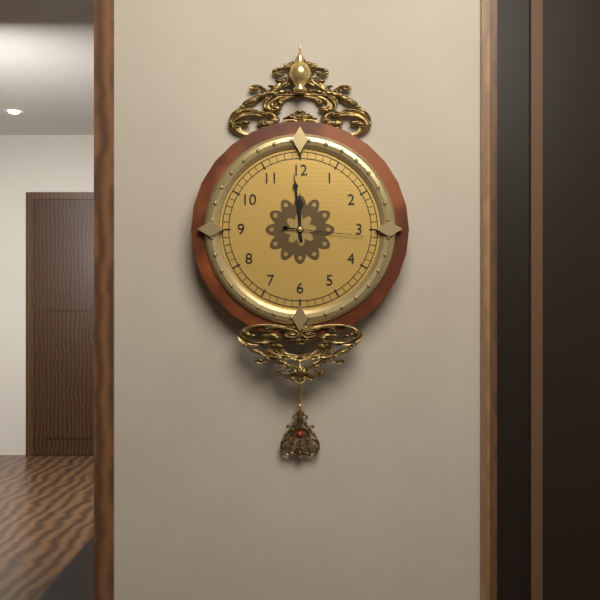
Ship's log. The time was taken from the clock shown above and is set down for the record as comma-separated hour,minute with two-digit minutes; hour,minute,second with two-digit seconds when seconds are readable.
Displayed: 11,59,16
